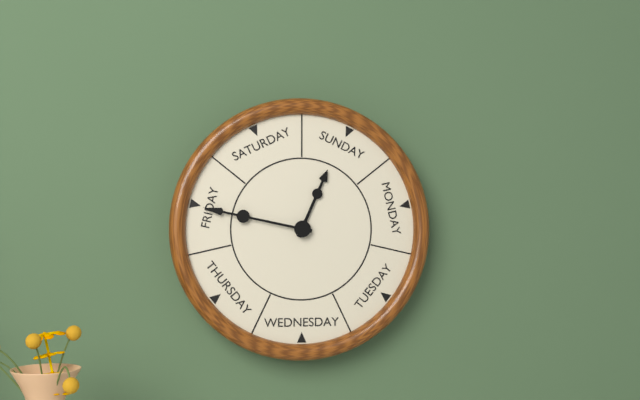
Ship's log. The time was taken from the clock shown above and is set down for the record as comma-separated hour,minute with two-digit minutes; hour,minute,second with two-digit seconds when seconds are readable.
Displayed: 12,47
